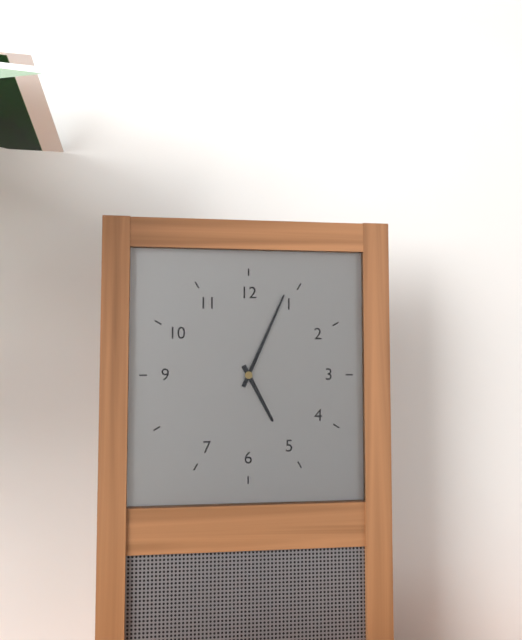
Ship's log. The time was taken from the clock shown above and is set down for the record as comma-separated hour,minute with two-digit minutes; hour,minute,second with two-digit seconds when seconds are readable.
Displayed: 5,04
